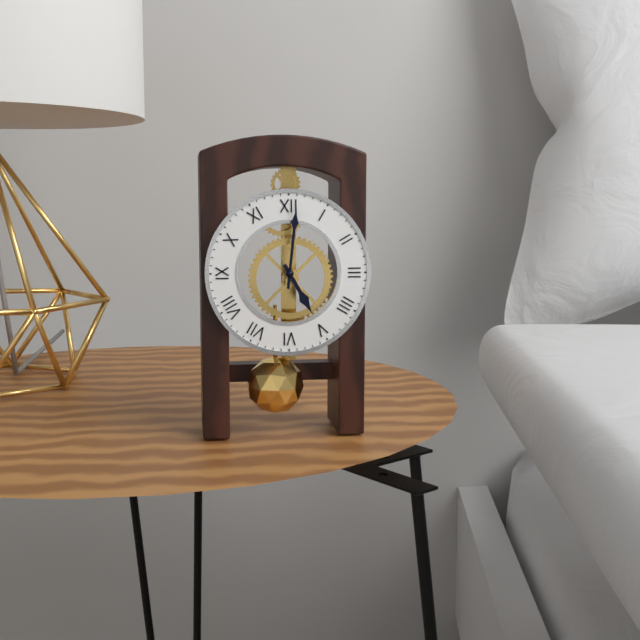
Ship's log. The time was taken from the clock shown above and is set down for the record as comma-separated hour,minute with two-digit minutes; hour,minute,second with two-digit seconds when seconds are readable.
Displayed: 5,01
